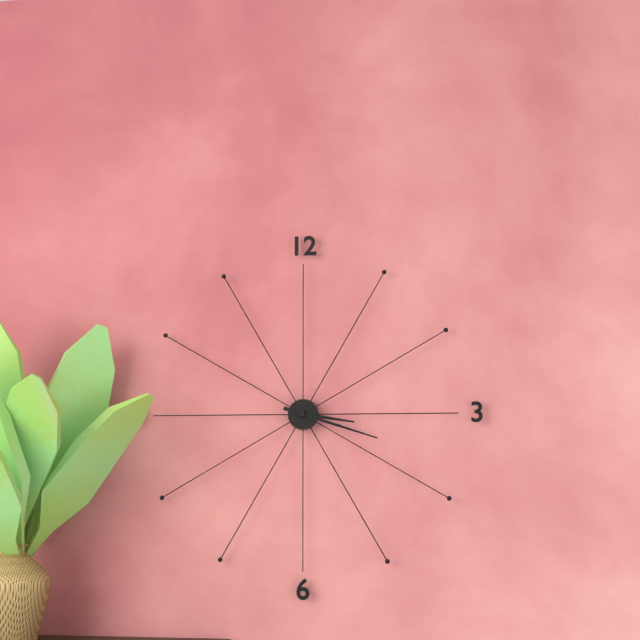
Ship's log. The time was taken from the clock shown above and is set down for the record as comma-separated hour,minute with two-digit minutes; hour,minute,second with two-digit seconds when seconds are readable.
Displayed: 3,18
